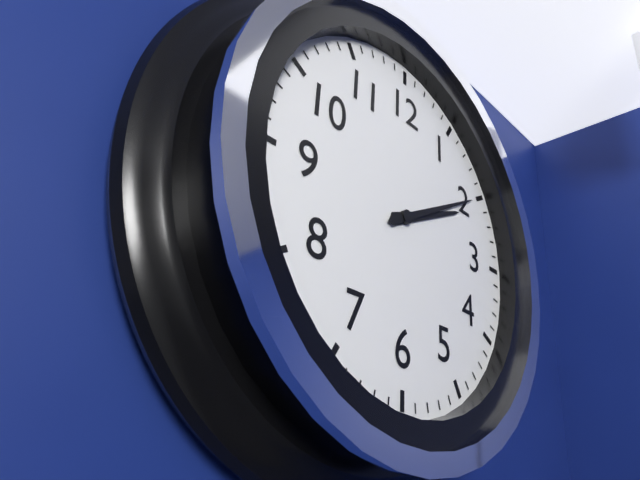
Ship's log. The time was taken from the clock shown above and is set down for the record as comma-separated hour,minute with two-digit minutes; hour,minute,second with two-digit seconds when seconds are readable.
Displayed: 2,10
